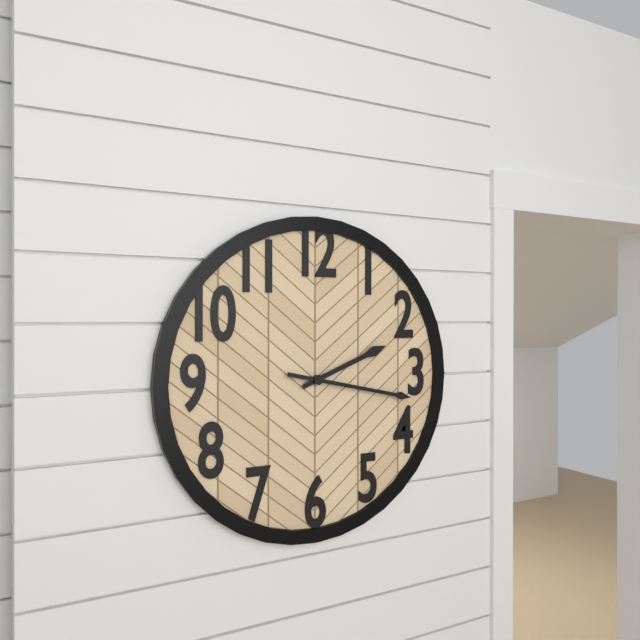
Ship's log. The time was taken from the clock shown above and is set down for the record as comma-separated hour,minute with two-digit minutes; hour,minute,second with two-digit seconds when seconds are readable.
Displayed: 2,17
